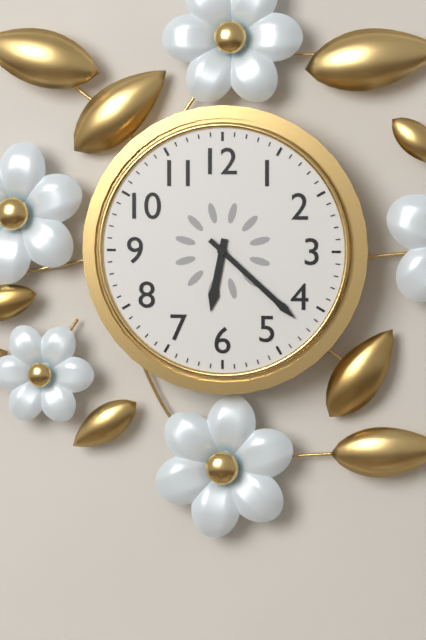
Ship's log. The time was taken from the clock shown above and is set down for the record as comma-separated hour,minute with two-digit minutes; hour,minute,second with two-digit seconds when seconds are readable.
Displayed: 6,22
